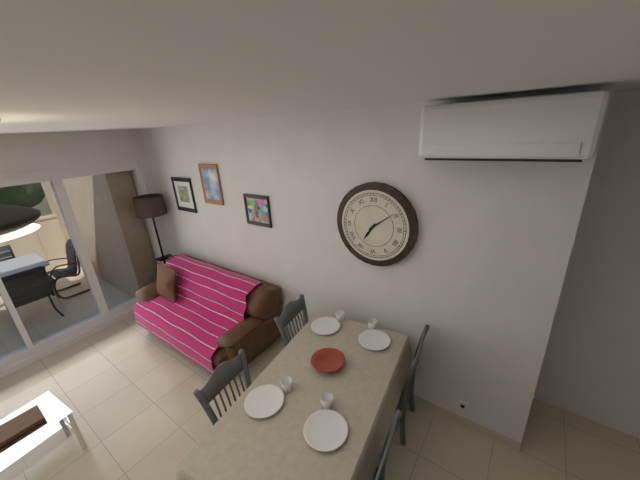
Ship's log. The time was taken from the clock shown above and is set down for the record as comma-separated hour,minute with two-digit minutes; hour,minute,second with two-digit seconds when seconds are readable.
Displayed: 7,09
